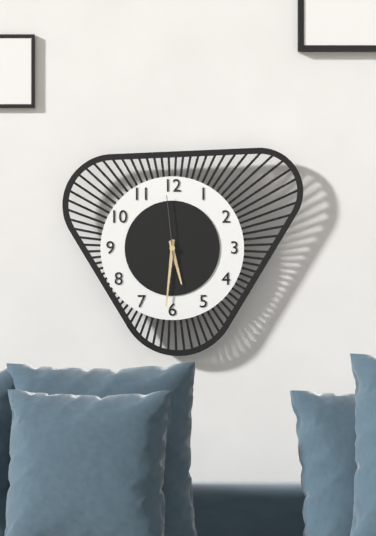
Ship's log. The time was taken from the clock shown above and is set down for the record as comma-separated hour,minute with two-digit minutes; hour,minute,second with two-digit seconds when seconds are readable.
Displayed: 5,31,59
